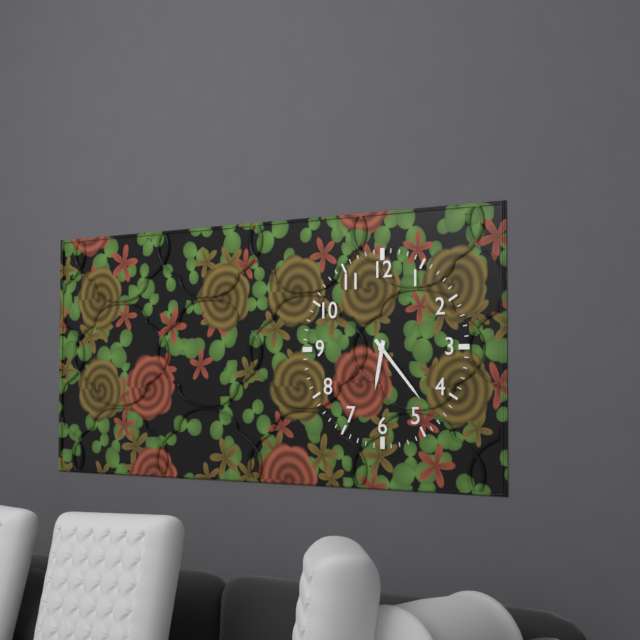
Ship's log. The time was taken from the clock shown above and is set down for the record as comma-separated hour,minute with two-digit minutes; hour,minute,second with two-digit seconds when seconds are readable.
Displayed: 6,23
